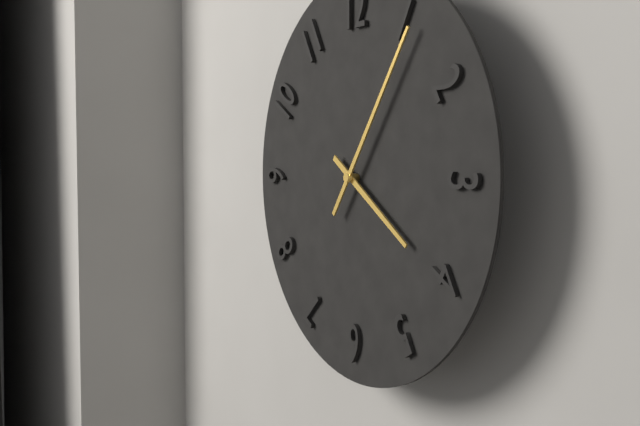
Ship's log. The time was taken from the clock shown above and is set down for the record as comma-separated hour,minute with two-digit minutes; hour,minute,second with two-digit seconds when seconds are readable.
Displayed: 4,06
